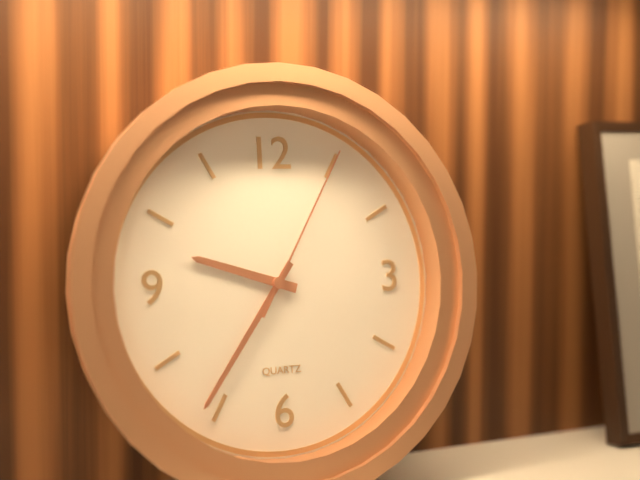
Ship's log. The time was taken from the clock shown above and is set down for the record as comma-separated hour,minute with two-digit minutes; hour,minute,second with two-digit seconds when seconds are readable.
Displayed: 9,36,05
